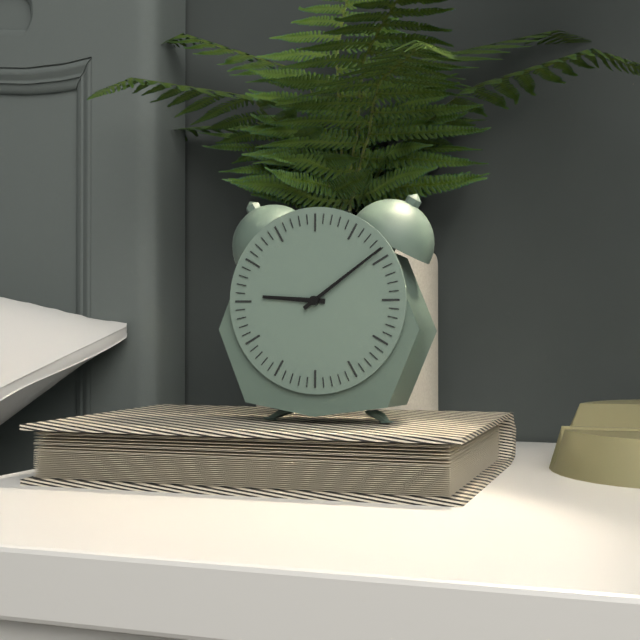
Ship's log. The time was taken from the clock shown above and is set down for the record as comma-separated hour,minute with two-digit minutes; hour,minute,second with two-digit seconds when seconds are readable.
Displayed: 9,09
